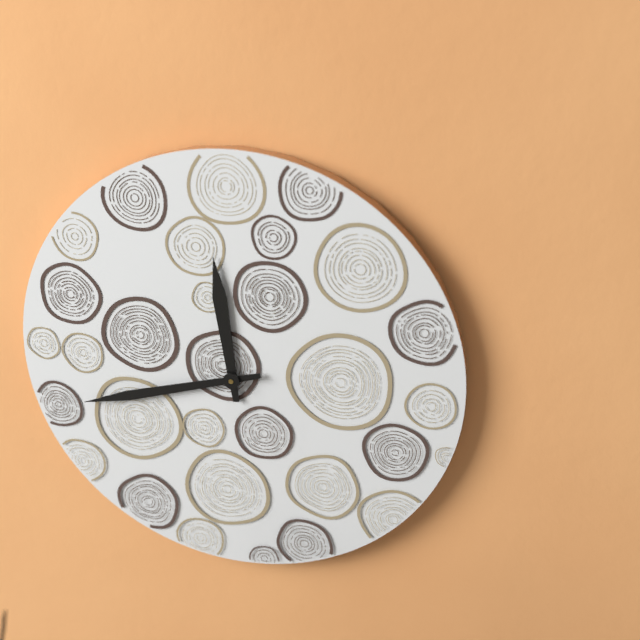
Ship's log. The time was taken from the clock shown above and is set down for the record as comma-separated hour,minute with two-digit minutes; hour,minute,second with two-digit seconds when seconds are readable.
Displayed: 11,42
